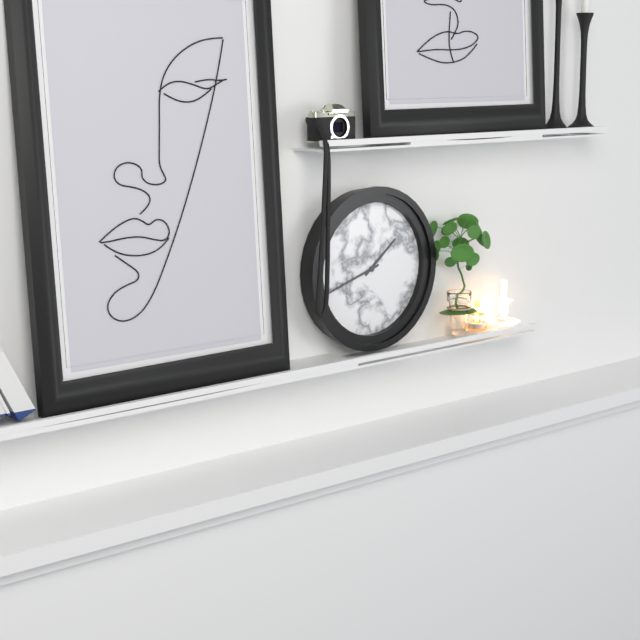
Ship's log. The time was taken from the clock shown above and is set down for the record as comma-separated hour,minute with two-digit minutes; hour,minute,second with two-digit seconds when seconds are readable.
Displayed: 1,42
